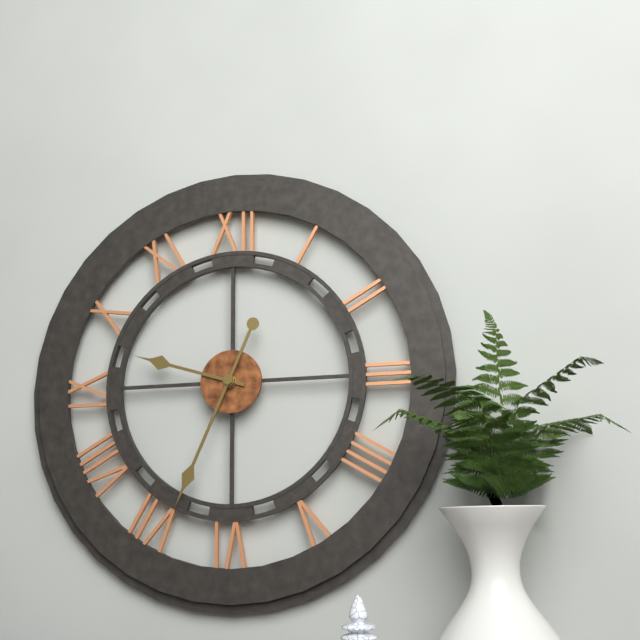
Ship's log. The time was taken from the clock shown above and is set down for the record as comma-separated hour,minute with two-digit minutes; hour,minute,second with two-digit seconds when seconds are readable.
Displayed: 9,34
